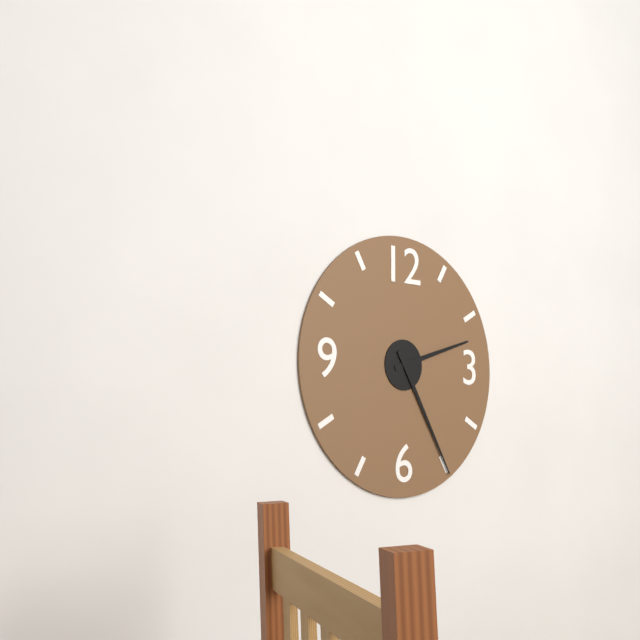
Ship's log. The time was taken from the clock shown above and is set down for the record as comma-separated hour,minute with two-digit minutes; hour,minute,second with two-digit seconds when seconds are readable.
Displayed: 2,25
